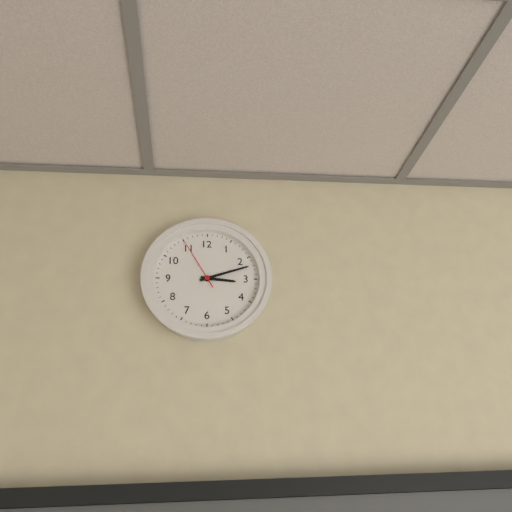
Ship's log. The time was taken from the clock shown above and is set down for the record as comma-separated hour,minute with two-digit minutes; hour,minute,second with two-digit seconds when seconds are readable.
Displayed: 3,12,55
